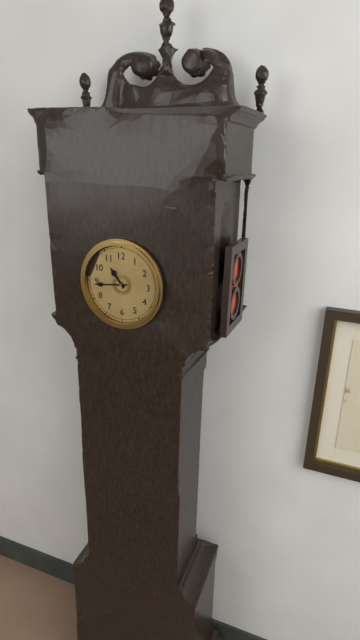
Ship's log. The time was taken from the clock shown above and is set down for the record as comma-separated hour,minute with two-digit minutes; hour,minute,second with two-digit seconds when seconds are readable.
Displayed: 10,44
